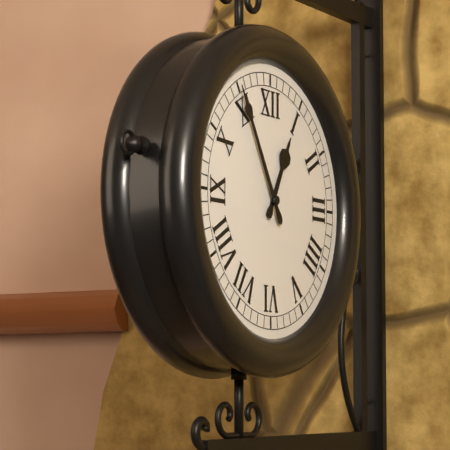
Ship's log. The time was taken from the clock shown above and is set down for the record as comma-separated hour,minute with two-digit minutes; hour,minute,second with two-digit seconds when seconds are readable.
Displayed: 12,55
